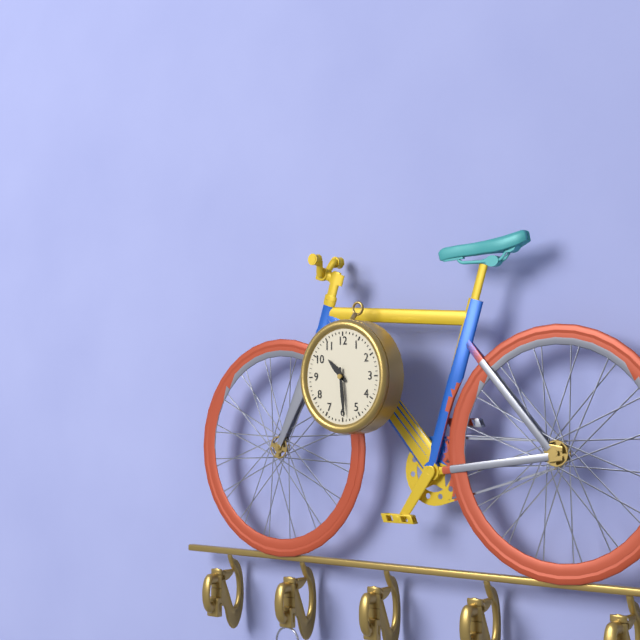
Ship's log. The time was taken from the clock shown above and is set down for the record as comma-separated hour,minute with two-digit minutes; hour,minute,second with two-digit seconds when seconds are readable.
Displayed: 10,29
